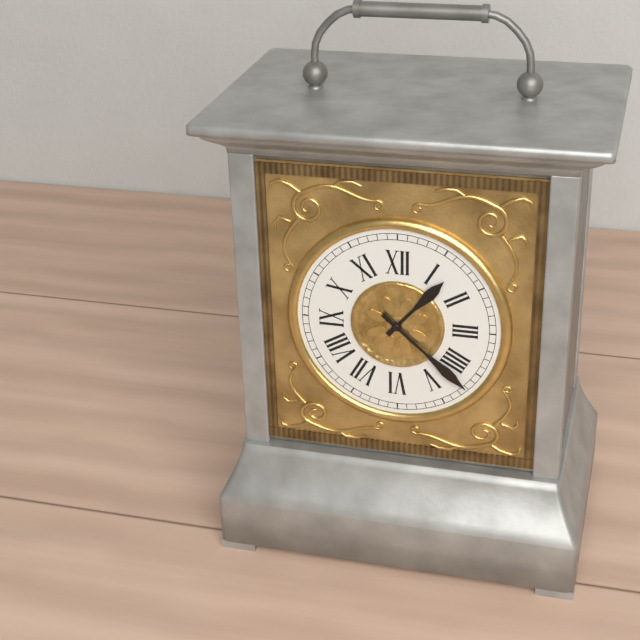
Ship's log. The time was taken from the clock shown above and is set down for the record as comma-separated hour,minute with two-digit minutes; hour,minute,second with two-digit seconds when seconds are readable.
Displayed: 1,22
